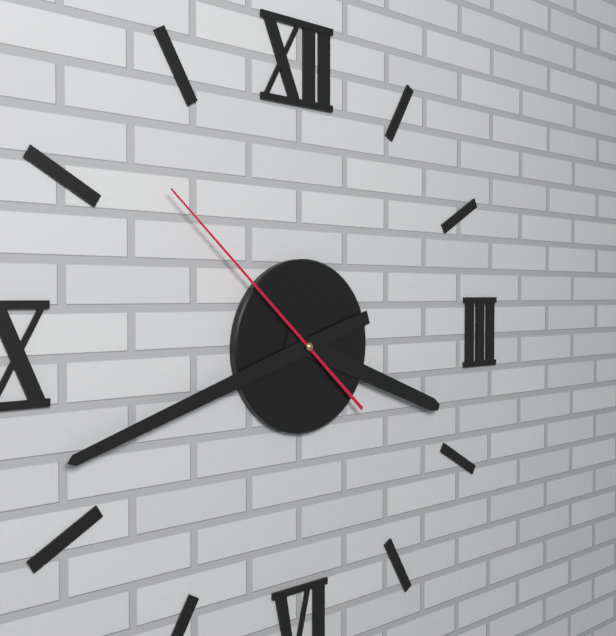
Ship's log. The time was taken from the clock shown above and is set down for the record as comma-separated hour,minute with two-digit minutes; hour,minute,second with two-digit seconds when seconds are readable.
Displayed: 3,42,52
